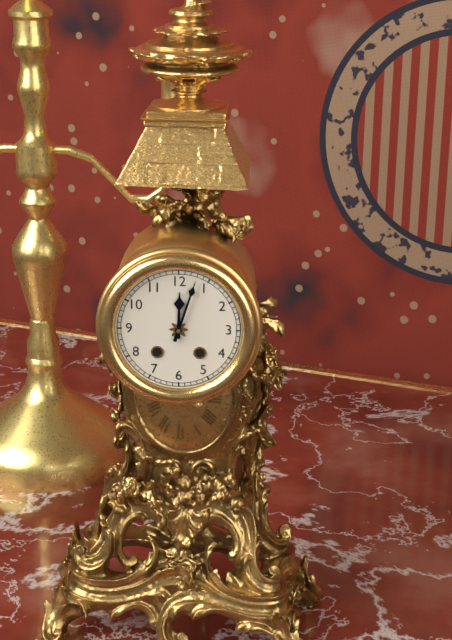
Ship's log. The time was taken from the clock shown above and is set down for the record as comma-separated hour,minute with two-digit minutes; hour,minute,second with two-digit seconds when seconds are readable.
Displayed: 12,03
